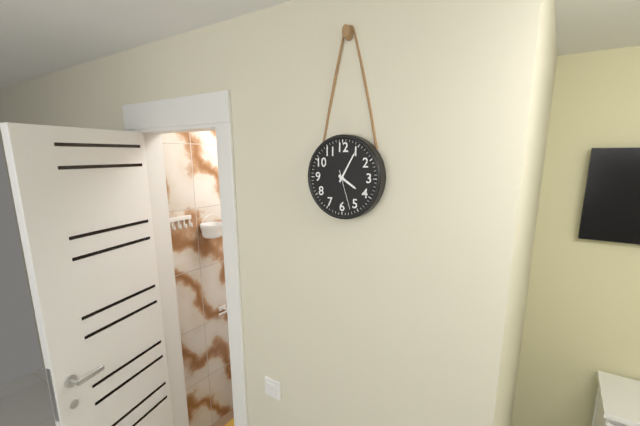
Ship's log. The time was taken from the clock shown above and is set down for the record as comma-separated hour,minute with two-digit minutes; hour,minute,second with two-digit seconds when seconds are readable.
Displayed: 4,05
